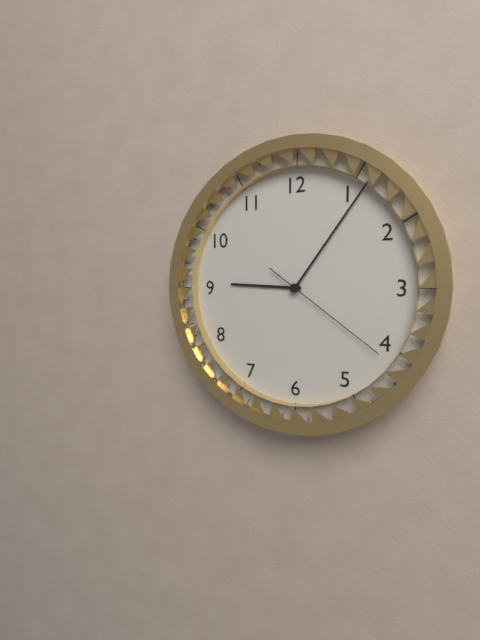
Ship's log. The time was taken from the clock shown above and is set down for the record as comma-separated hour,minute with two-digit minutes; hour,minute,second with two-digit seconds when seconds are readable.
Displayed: 9,06,21
